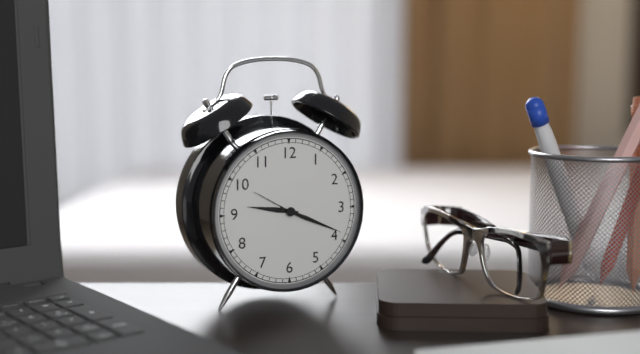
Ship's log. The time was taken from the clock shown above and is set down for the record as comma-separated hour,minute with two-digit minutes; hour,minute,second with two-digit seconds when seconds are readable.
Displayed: 9,19,50
